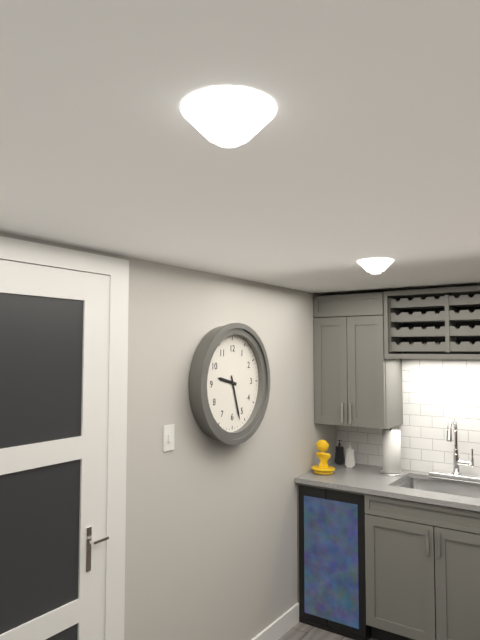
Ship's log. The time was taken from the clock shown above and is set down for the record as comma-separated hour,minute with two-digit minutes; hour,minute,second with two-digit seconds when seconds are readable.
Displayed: 9,27
